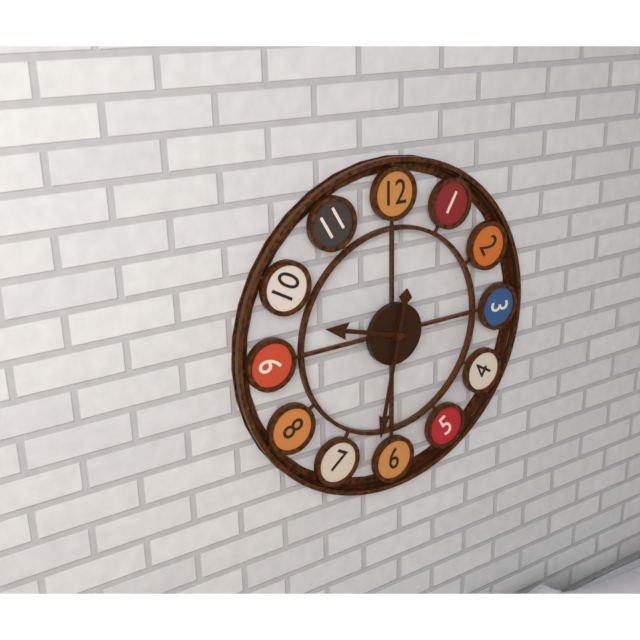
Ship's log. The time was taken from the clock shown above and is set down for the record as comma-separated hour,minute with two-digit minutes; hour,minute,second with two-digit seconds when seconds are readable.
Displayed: 9,32
